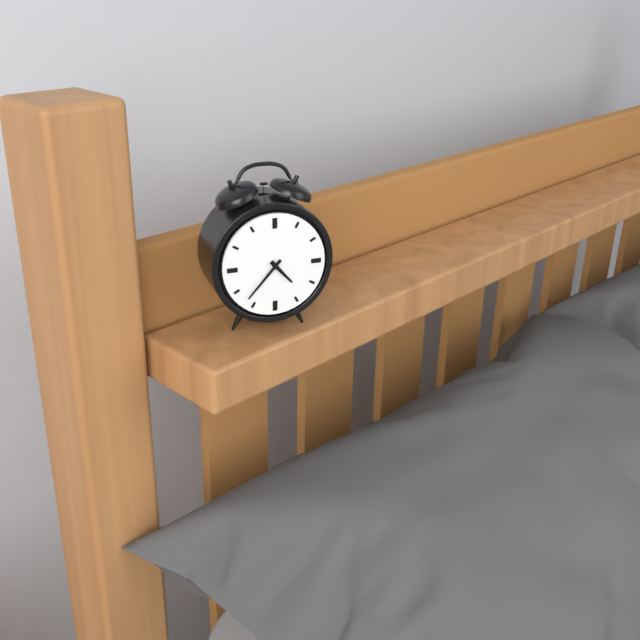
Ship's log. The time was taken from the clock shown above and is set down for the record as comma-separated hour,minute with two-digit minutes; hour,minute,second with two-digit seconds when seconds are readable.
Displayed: 4,37
